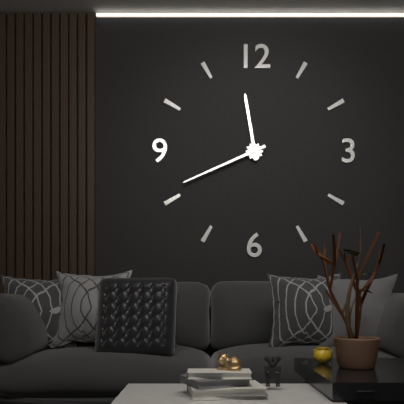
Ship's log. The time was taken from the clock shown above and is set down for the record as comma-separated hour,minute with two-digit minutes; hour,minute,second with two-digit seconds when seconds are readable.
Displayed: 11,41
